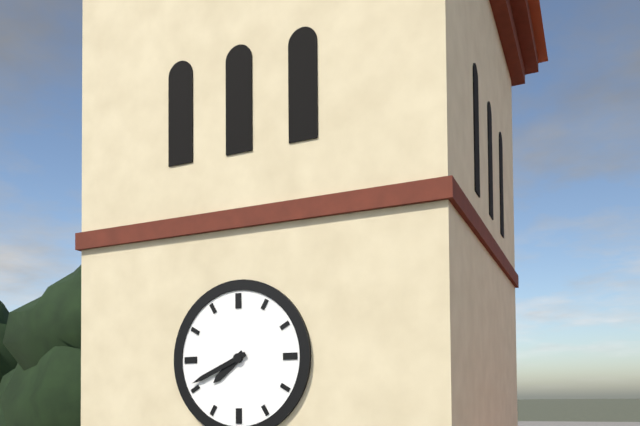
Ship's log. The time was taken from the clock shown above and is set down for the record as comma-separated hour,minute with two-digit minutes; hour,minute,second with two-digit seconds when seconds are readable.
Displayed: 7,41
